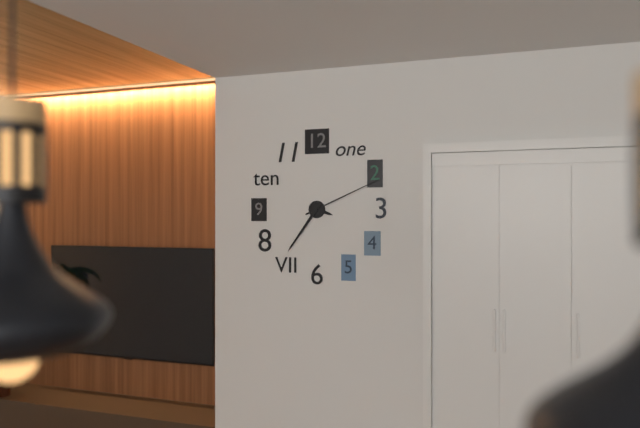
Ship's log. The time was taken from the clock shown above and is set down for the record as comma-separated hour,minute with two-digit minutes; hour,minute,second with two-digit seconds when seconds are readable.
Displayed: 3,36,11
